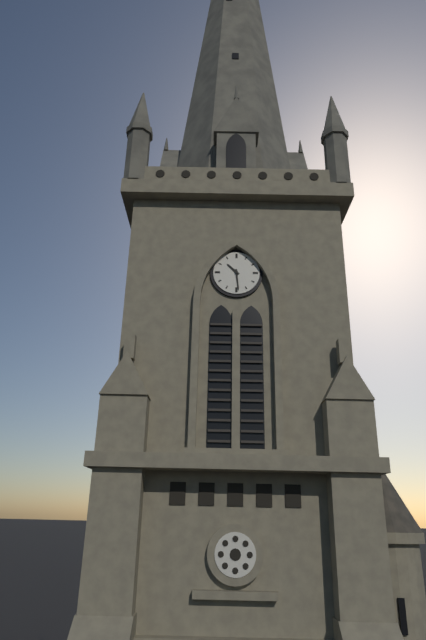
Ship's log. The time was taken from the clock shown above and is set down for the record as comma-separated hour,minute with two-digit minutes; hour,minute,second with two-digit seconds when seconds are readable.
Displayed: 10,29
